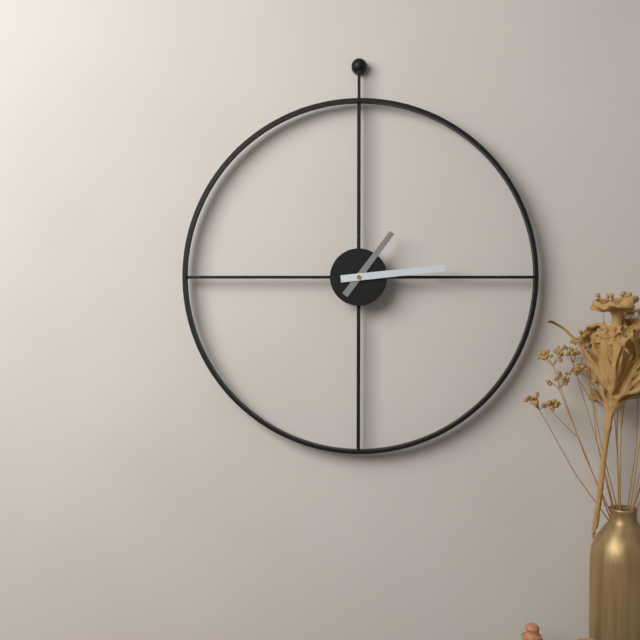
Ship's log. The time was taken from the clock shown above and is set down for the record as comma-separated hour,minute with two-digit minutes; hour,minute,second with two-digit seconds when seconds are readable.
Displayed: 1,14
